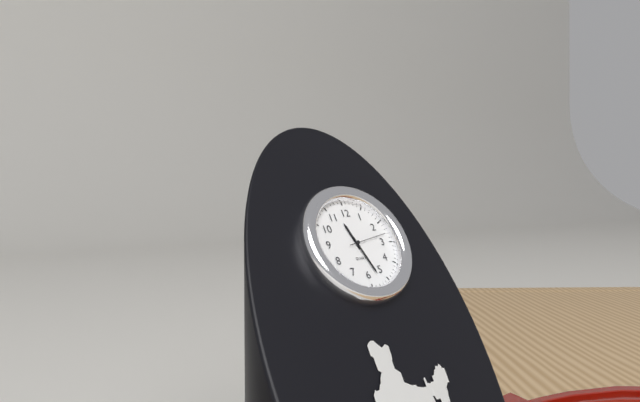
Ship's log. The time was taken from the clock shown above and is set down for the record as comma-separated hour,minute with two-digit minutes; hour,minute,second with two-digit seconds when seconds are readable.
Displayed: 11,27
